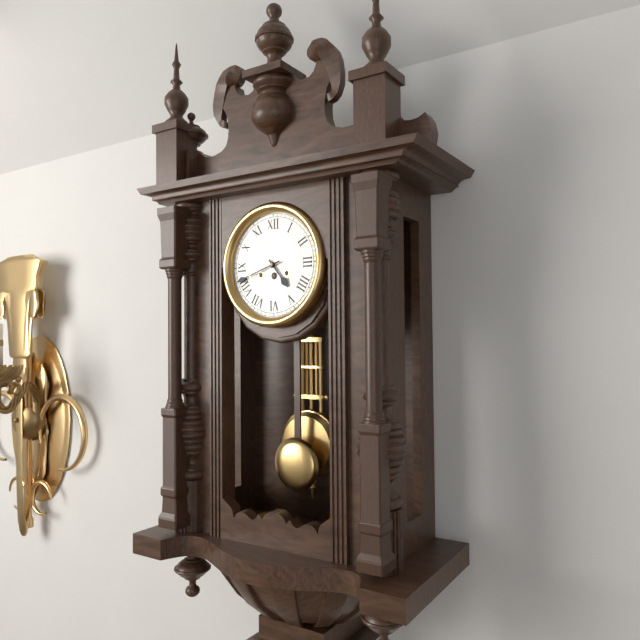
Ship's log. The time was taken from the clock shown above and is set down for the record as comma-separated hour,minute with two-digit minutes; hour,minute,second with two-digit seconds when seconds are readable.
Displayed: 4,42
